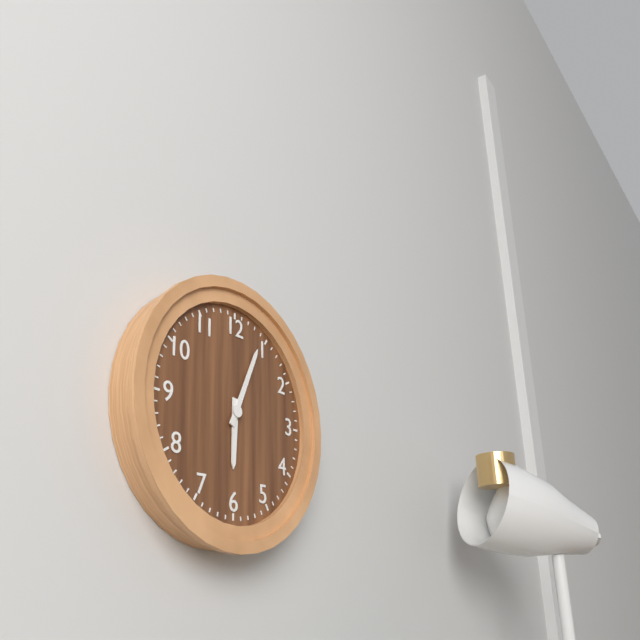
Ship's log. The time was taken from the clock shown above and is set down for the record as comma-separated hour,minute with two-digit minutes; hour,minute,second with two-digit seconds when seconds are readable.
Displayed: 6,04
